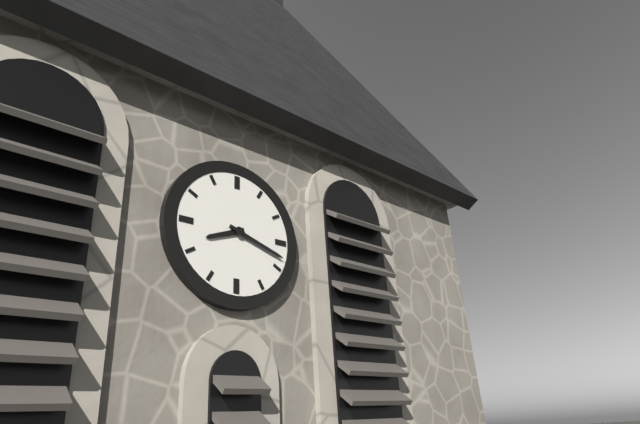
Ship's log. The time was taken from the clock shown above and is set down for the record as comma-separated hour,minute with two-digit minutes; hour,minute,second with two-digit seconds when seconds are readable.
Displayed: 8,18
